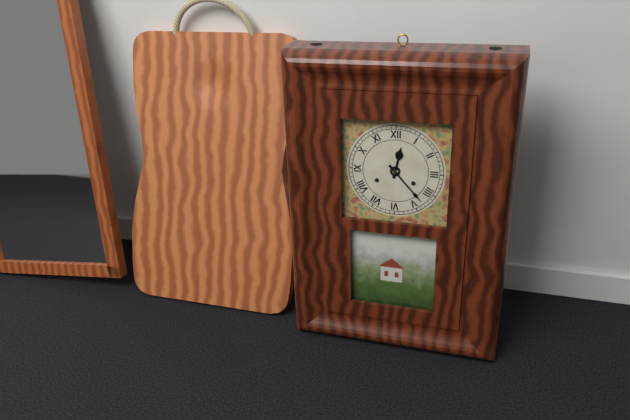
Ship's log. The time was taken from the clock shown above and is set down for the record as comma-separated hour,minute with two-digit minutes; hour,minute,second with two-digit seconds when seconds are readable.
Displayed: 12,23
